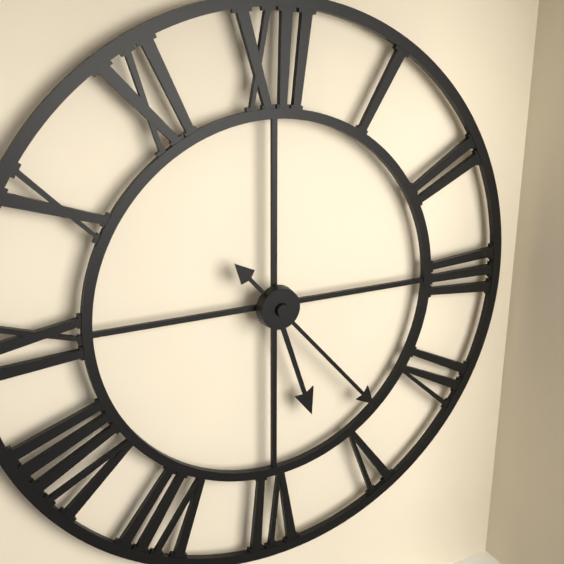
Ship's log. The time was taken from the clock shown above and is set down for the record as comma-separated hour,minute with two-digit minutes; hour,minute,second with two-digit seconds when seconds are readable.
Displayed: 5,23
